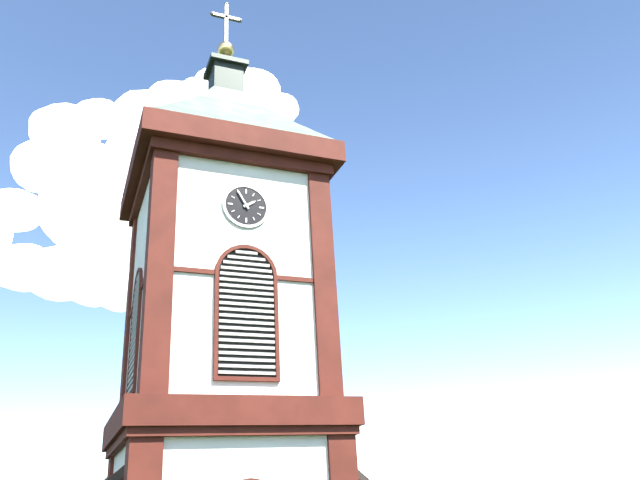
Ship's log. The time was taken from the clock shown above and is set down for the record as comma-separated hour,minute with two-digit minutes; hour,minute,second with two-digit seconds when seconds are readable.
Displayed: 1,55
